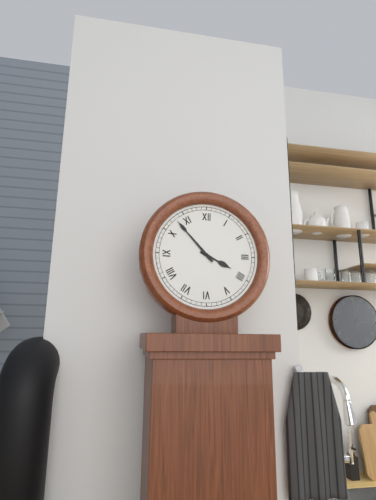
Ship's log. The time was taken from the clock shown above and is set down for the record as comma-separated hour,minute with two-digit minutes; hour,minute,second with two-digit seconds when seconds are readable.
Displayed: 3,53
